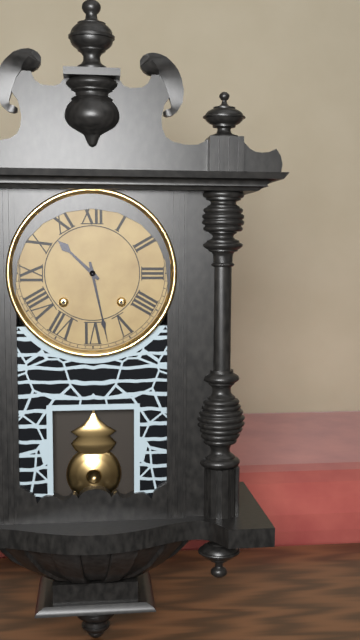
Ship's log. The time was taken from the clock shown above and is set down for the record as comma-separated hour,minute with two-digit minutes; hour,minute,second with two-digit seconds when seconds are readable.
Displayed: 10,28
